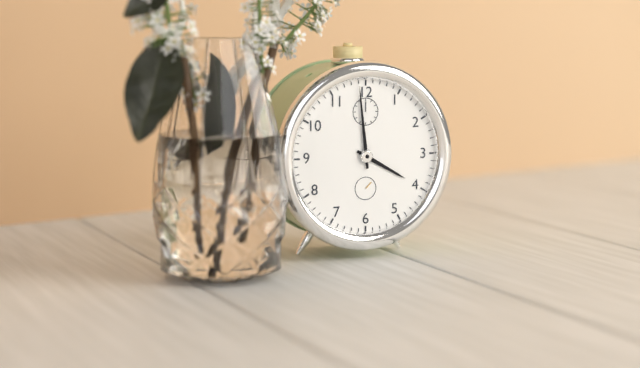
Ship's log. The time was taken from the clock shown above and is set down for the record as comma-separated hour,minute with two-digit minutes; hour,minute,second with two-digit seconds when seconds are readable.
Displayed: 3,59
